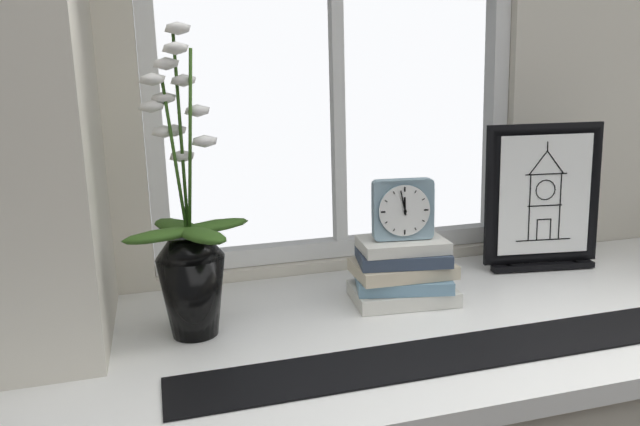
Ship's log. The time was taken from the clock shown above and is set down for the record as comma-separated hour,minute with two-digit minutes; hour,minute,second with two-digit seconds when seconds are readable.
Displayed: 11,58
